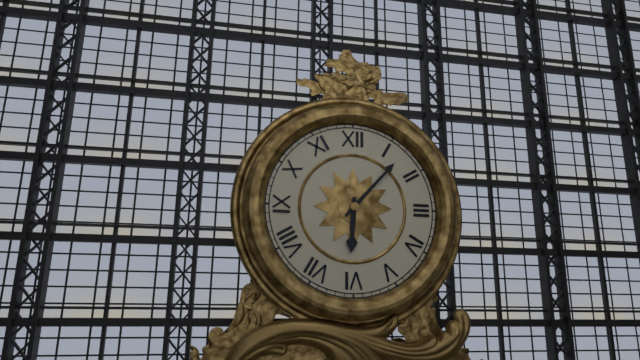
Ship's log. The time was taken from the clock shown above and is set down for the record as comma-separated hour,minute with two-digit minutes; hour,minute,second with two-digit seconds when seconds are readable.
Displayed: 6,07
